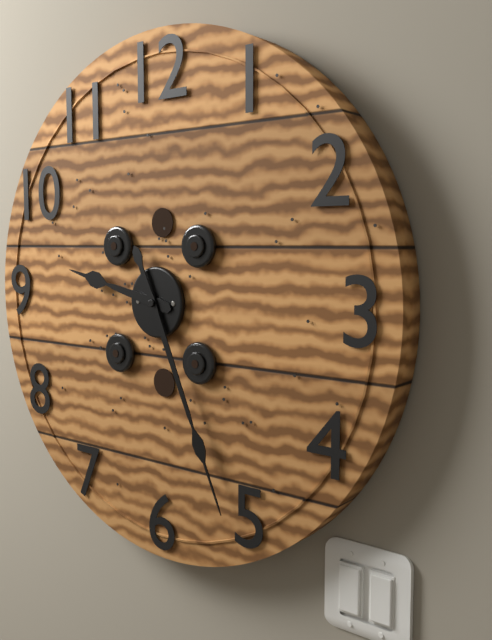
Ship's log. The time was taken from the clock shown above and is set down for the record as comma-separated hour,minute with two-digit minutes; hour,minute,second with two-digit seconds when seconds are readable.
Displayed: 9,26
